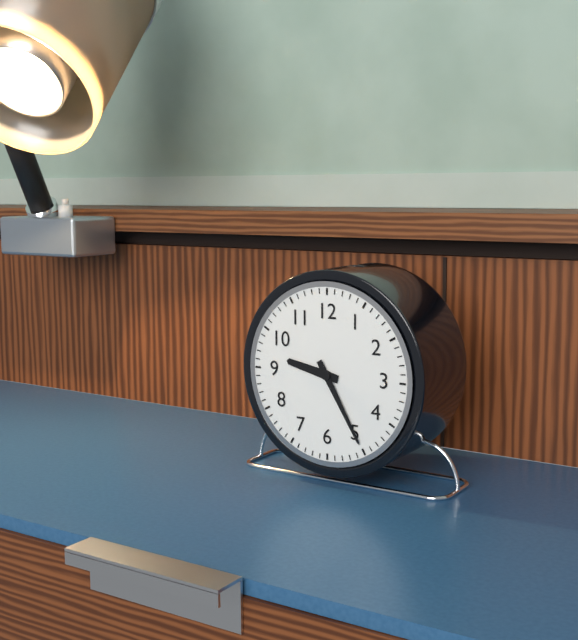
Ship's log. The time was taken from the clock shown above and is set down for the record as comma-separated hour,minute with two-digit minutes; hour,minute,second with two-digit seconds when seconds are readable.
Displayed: 9,25
